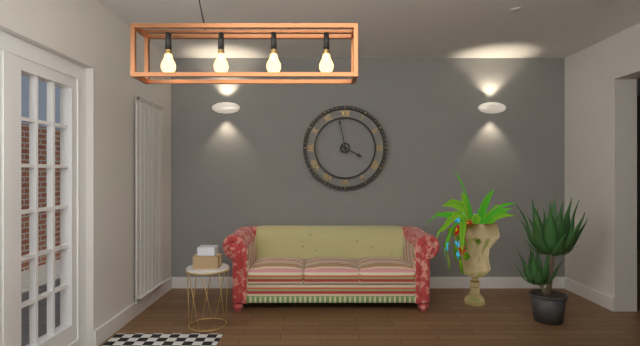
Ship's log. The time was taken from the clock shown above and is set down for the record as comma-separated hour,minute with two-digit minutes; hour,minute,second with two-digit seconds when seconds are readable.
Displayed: 3,58
